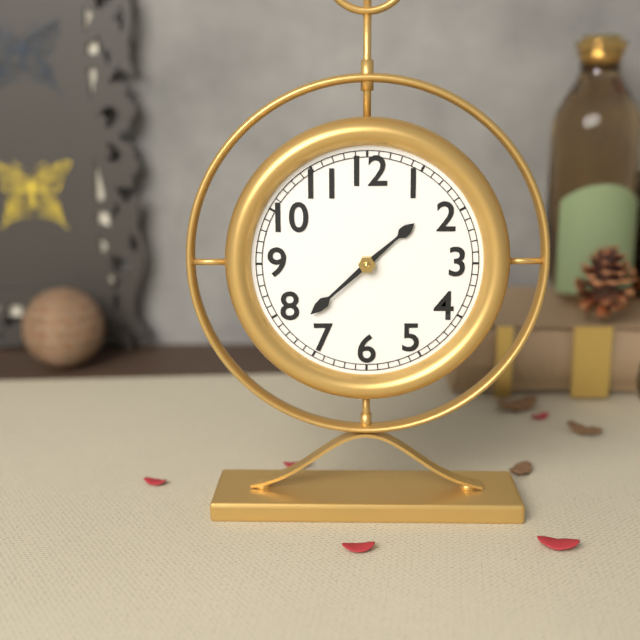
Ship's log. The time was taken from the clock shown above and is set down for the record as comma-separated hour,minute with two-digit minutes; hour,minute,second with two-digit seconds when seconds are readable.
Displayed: 1,38
